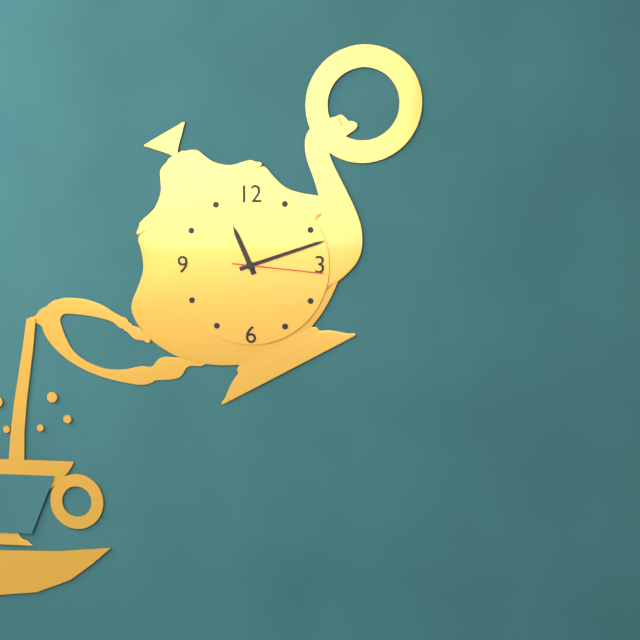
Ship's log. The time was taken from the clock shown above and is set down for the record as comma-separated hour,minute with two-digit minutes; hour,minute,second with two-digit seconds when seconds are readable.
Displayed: 11,12,16
